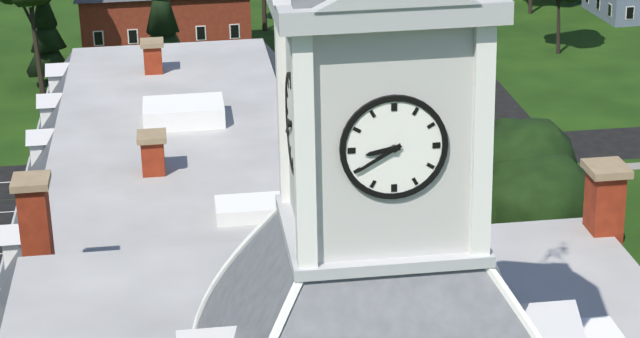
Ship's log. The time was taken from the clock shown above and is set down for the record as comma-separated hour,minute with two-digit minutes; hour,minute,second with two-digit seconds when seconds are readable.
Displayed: 8,40
